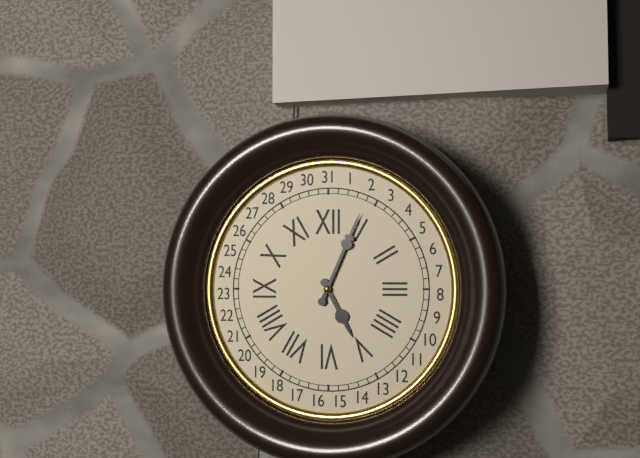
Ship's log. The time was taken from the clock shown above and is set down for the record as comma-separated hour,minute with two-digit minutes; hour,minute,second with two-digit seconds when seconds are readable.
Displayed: 5,04
